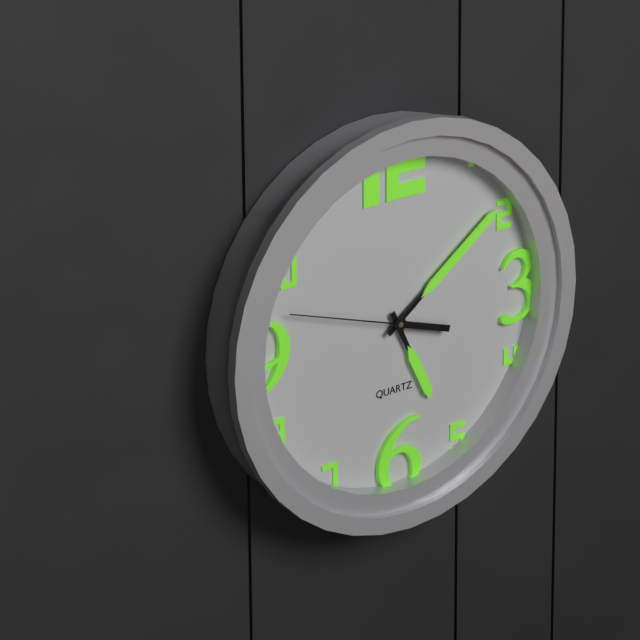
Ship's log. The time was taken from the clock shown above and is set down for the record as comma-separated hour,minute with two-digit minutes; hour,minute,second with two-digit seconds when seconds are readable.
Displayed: 5,09,48
